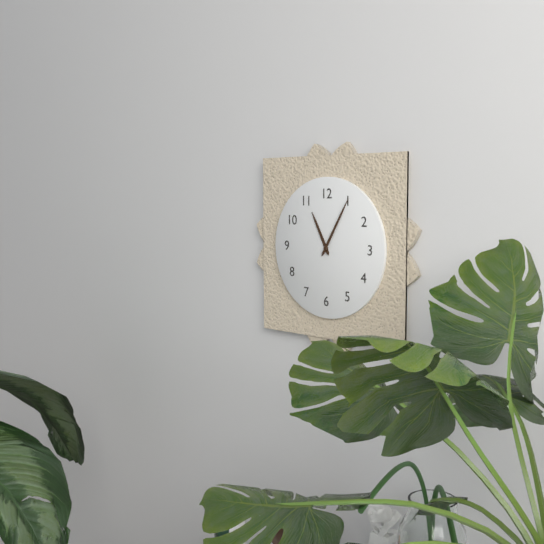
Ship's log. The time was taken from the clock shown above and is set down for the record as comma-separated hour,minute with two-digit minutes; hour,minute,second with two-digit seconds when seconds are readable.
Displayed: 11,05
